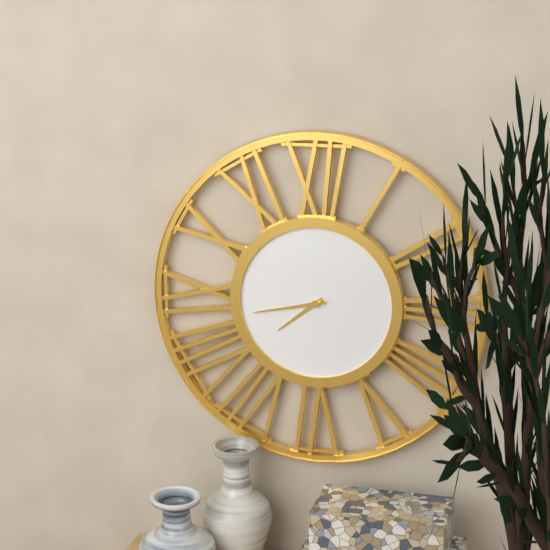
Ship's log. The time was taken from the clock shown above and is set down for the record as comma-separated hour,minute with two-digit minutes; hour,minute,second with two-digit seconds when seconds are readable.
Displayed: 7,43
